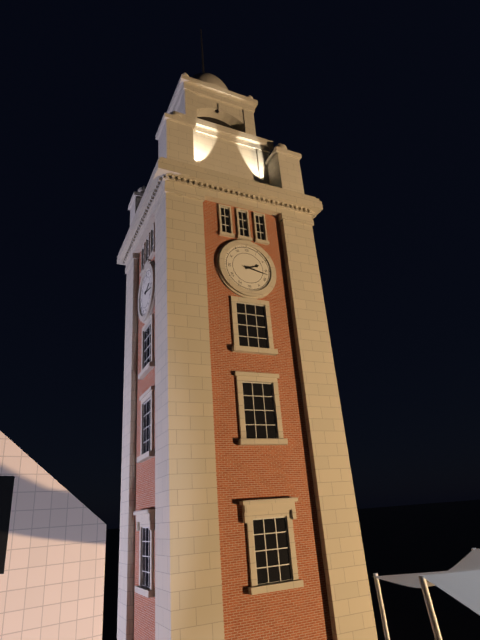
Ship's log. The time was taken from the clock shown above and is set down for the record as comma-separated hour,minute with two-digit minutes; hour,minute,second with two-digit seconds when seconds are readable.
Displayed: 2,17
